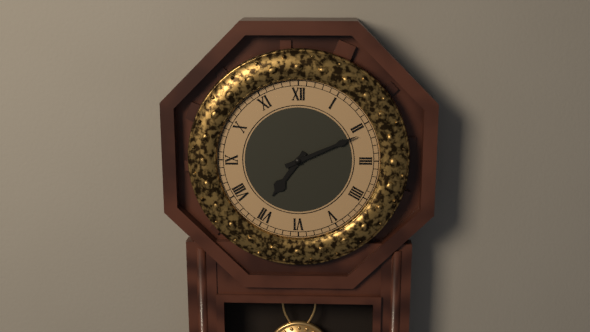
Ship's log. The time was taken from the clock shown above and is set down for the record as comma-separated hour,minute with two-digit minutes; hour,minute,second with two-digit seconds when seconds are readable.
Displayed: 7,11
